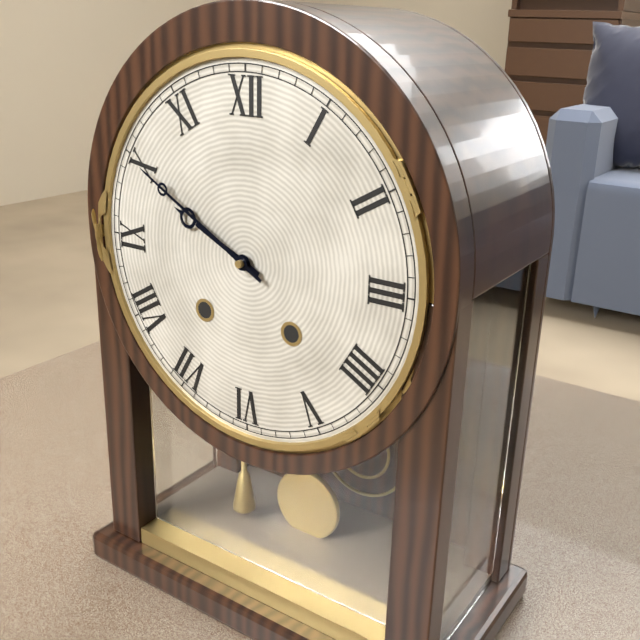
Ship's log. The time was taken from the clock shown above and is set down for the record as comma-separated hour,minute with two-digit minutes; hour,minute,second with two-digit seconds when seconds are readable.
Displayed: 9,50
